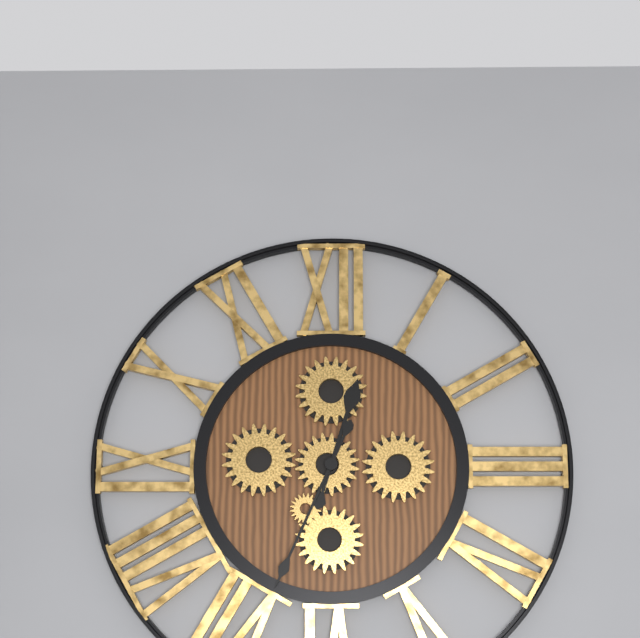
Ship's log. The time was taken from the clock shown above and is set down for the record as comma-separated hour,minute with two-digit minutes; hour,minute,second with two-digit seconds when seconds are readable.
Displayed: 12,34
